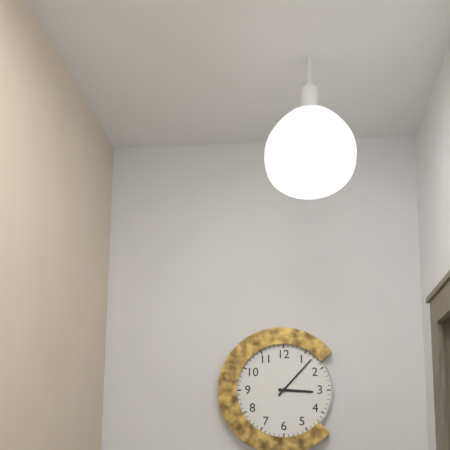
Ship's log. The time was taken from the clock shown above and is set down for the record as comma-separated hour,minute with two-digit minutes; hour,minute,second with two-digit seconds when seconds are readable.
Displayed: 3,07
